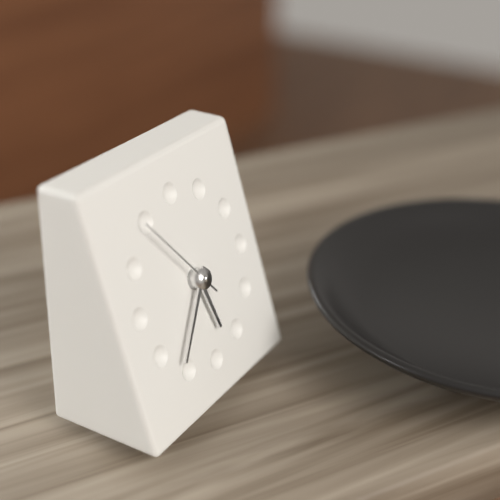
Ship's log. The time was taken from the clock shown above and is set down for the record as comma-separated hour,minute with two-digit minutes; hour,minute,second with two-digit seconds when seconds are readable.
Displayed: 5,37,54
